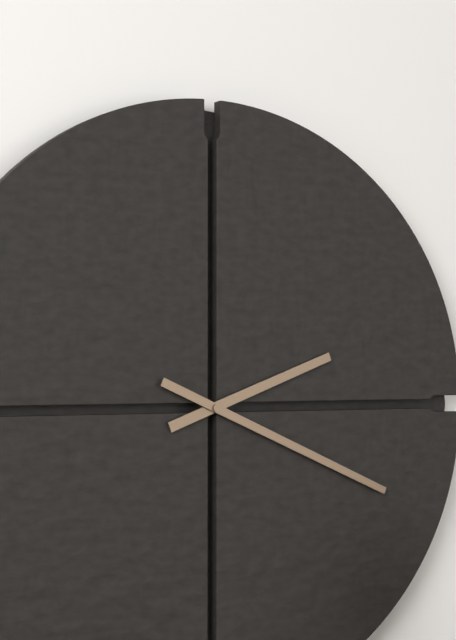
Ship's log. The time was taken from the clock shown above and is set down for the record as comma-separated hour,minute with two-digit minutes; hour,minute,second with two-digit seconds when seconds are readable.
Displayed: 2,19
